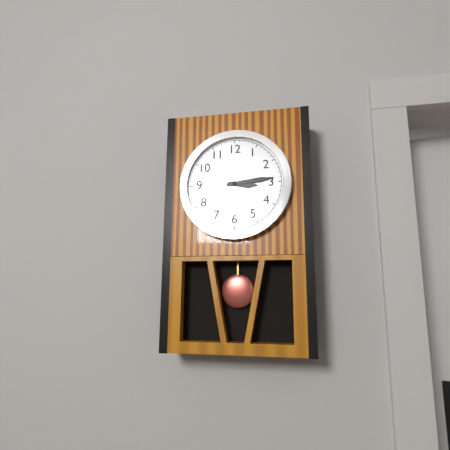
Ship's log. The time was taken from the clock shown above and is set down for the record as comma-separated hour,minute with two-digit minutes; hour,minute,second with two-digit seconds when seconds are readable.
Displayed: 3,14
